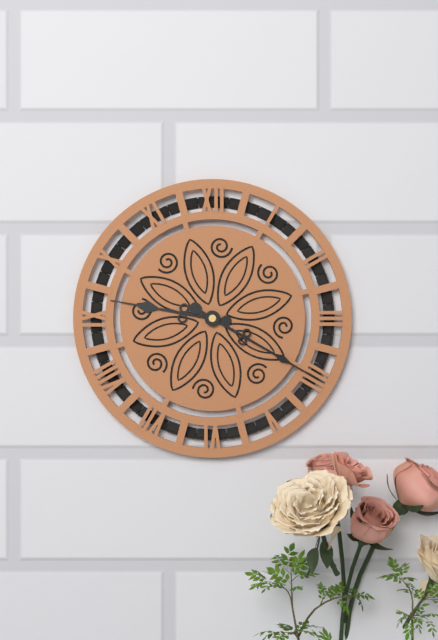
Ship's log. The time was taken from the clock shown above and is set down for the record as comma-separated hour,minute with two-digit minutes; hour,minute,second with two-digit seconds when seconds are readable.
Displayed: 9,20
